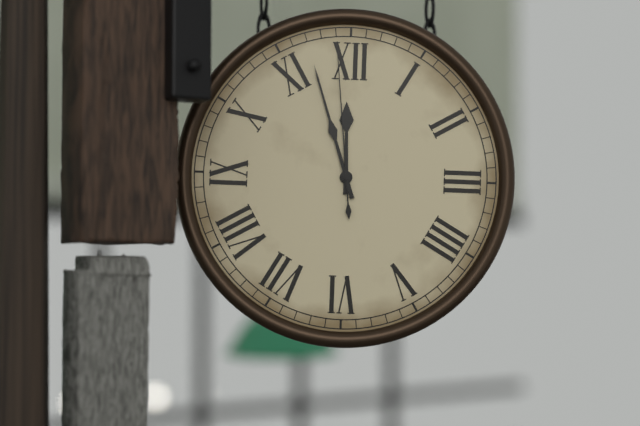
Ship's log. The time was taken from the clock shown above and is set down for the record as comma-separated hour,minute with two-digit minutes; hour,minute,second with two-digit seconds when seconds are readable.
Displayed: 11,57,59
